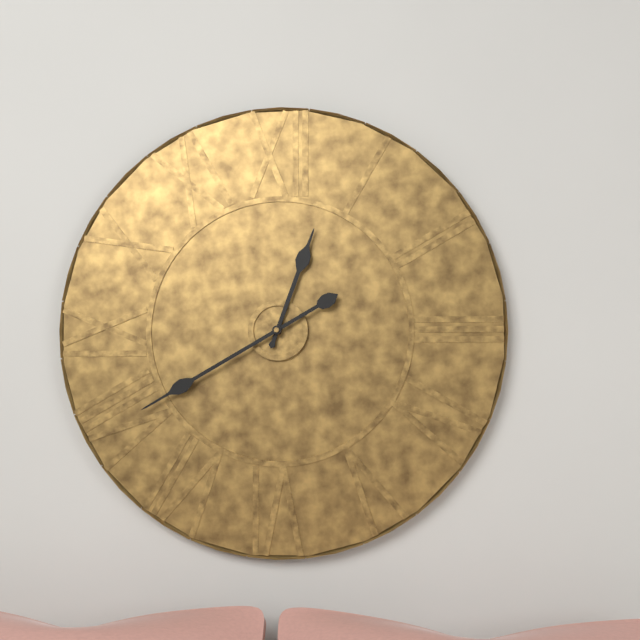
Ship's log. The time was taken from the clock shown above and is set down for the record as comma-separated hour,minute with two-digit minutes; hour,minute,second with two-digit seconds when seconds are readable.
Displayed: 12,40
